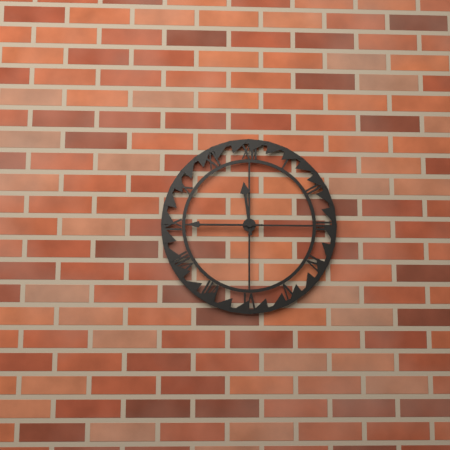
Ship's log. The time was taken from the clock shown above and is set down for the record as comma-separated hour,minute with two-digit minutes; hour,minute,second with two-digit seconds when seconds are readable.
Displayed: 11,45
